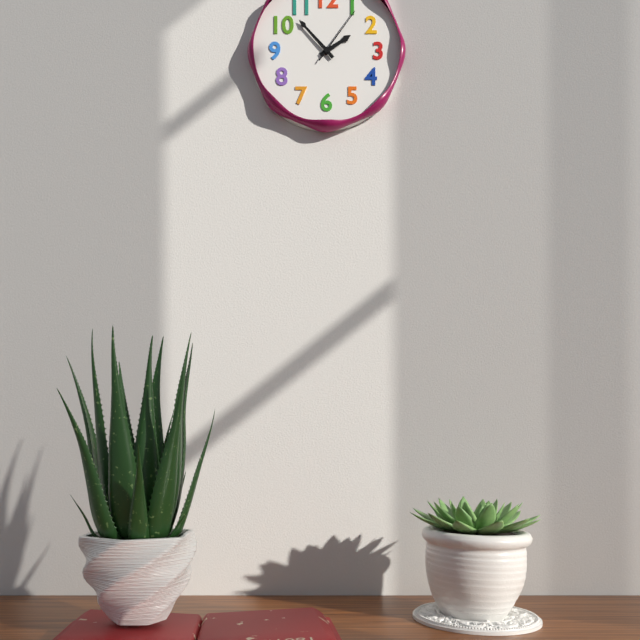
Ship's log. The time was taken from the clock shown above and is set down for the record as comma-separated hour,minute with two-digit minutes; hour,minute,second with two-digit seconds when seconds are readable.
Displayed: 1,53,06
